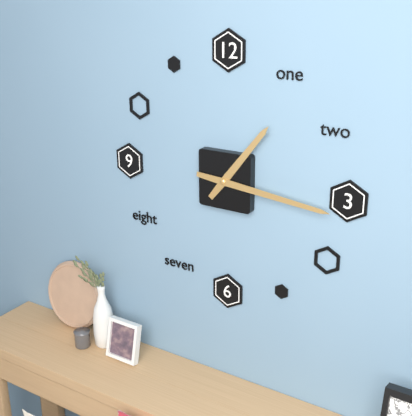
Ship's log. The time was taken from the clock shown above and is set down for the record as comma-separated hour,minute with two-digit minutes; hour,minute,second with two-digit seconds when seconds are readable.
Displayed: 1,16
